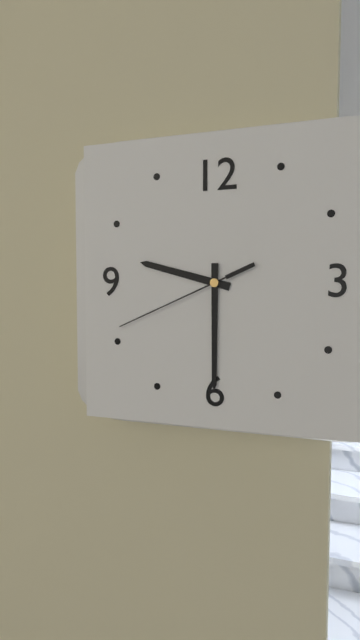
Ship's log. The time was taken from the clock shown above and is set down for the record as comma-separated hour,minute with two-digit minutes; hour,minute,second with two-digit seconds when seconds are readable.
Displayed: 9,30,41
